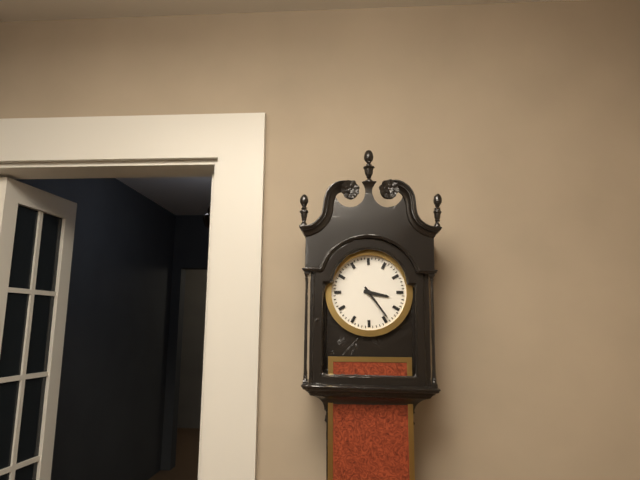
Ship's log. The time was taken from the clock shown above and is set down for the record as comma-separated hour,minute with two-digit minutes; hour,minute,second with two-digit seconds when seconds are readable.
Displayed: 3,24
